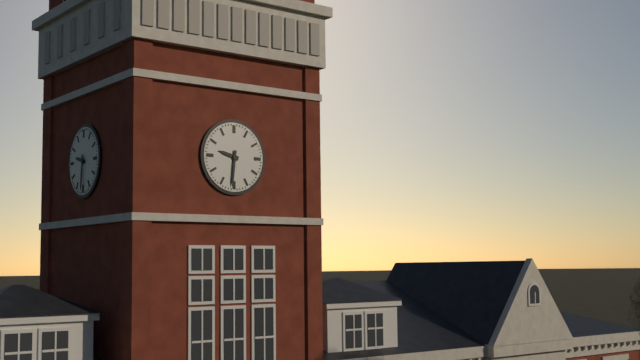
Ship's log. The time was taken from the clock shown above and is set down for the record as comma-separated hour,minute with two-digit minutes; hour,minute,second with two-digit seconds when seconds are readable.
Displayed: 9,31
